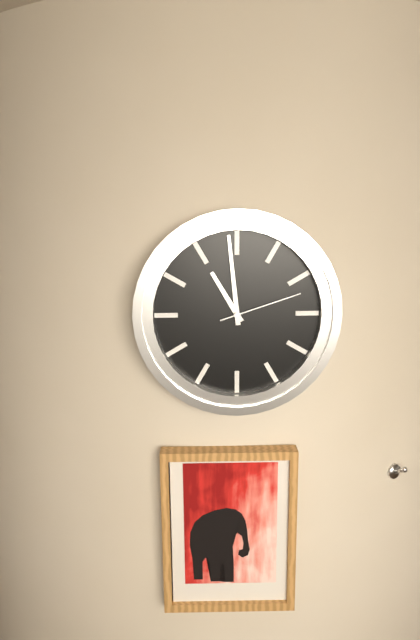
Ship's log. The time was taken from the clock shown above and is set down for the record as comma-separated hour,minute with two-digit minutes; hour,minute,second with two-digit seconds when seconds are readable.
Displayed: 10,59,12
